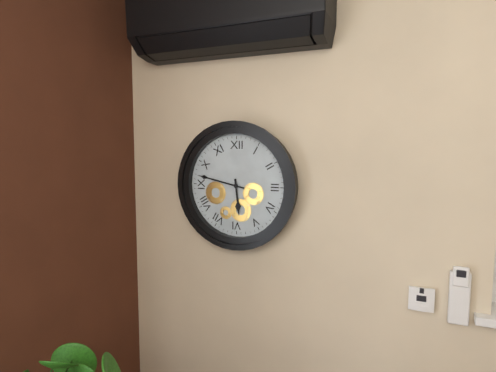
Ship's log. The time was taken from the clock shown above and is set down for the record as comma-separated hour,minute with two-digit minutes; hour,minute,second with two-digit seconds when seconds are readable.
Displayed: 5,47
